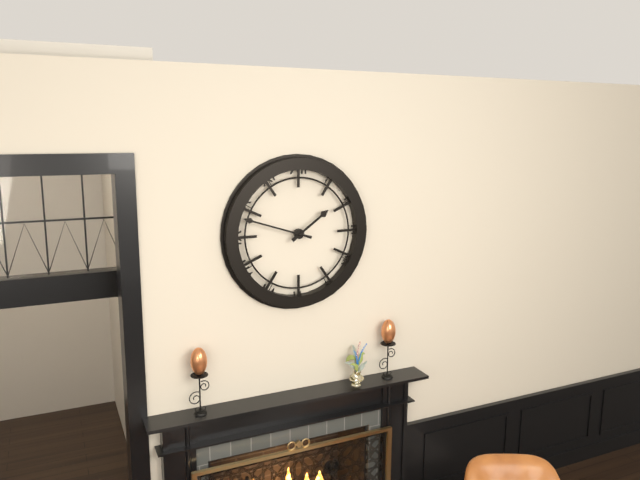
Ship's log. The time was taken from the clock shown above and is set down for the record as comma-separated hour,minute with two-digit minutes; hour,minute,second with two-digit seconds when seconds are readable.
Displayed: 1,48
